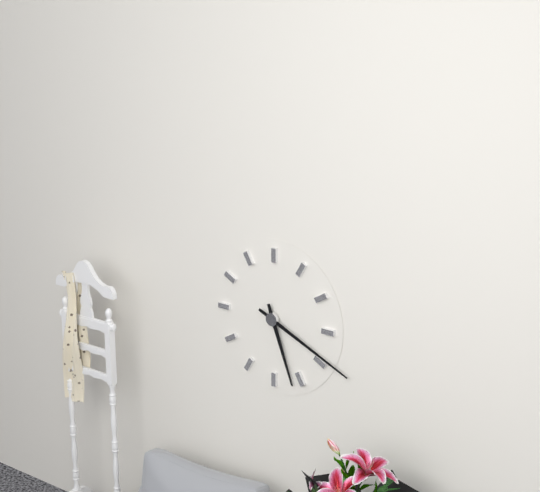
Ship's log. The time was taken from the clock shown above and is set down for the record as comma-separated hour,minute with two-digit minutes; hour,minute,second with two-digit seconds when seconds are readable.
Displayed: 5,19
